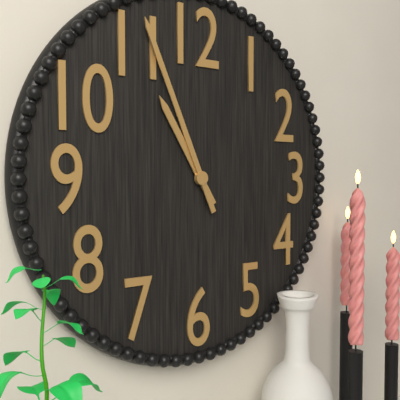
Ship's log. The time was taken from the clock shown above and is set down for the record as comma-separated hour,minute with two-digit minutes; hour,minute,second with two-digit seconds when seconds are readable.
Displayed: 10,56
